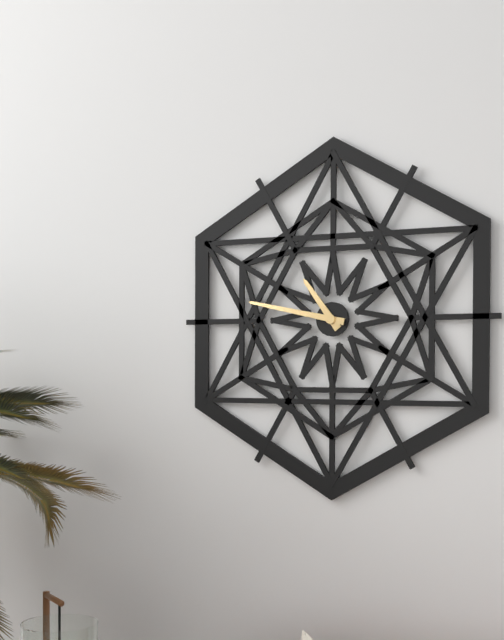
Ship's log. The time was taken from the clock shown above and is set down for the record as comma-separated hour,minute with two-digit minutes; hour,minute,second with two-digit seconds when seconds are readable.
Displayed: 10,47
